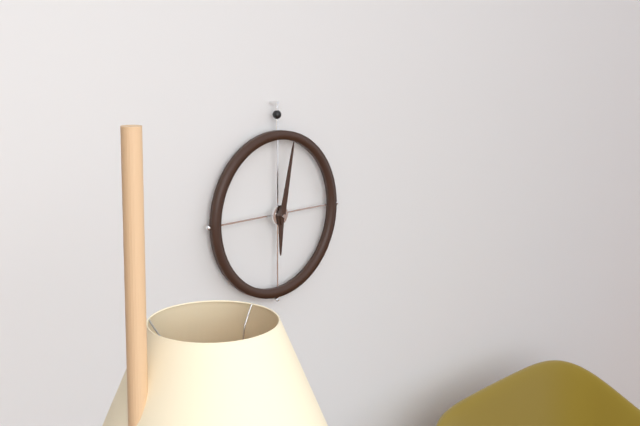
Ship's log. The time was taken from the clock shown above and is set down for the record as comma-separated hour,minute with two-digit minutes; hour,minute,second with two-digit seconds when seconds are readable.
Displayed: 6,02
